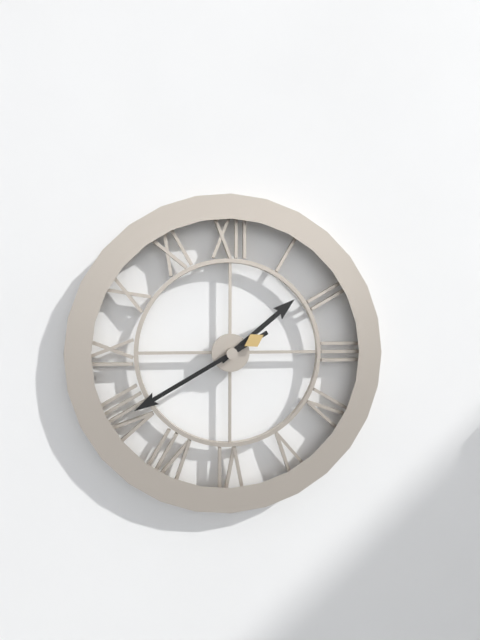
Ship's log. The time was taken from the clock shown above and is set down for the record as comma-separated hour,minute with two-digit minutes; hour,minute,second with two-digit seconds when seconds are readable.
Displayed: 1,40
